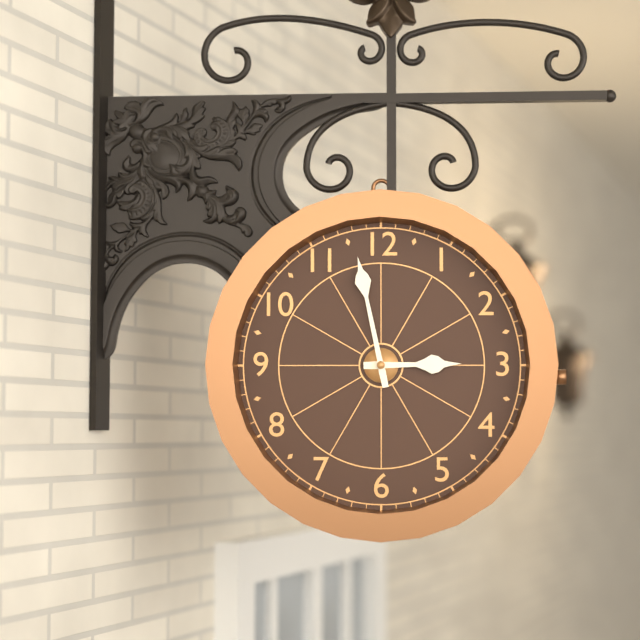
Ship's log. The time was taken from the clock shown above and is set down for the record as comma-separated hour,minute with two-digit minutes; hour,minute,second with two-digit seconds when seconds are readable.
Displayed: 2,58
